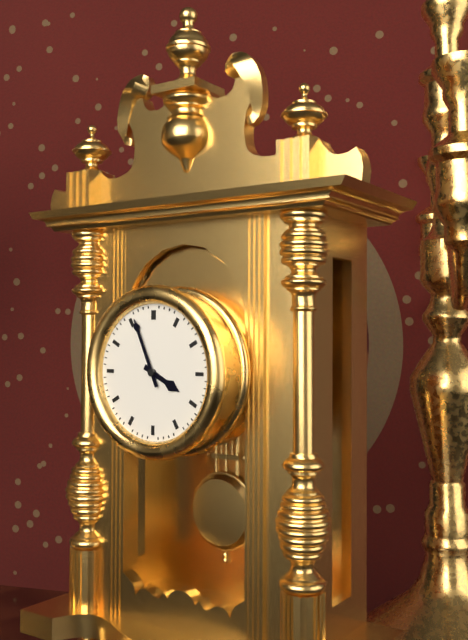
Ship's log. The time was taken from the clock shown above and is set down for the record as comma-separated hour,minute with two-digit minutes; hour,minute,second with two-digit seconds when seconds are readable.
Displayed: 3,56
